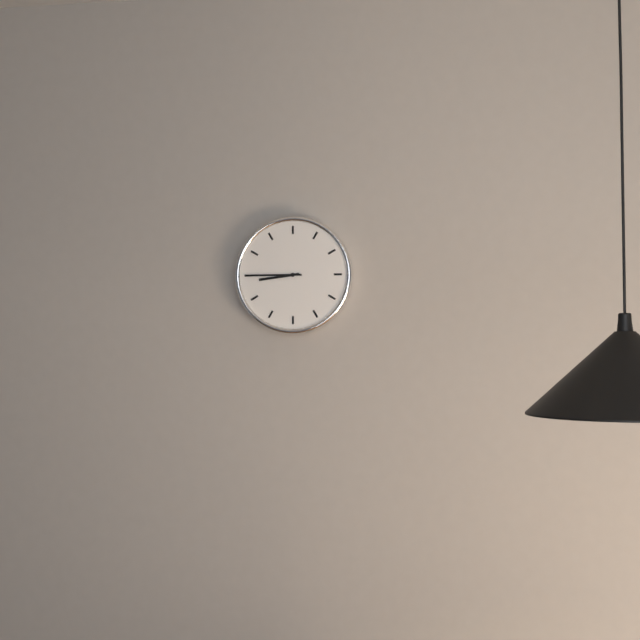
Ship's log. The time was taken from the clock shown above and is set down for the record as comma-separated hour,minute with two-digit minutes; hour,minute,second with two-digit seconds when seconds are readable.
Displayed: 8,45
